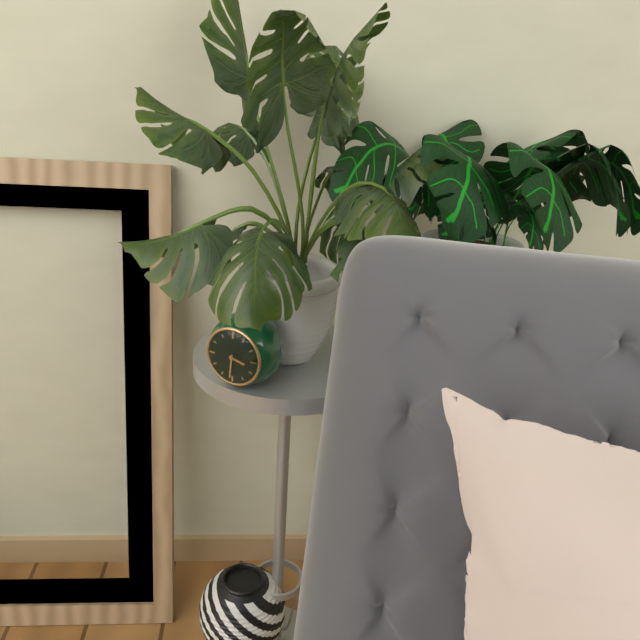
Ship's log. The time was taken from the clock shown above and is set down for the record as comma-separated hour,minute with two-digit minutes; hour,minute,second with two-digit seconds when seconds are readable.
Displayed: 3,31
